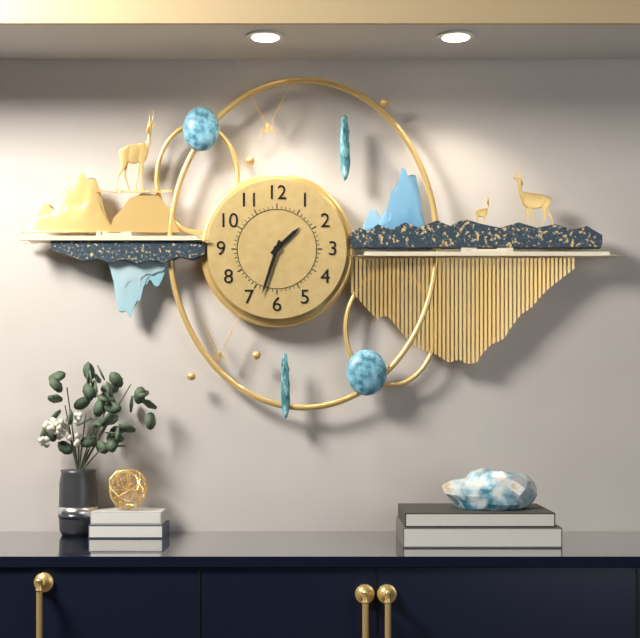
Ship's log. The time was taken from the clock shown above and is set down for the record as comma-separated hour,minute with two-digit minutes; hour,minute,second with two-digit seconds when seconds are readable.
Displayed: 1,33
